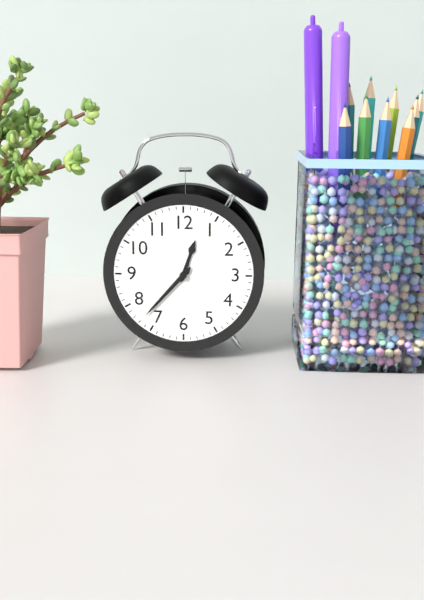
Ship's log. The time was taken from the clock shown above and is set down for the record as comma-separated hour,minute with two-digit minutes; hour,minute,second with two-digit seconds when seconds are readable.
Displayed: 12,37
